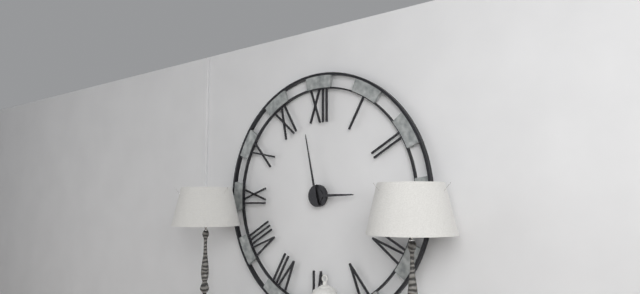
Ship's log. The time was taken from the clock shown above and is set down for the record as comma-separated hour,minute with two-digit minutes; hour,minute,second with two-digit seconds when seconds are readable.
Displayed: 2,58
